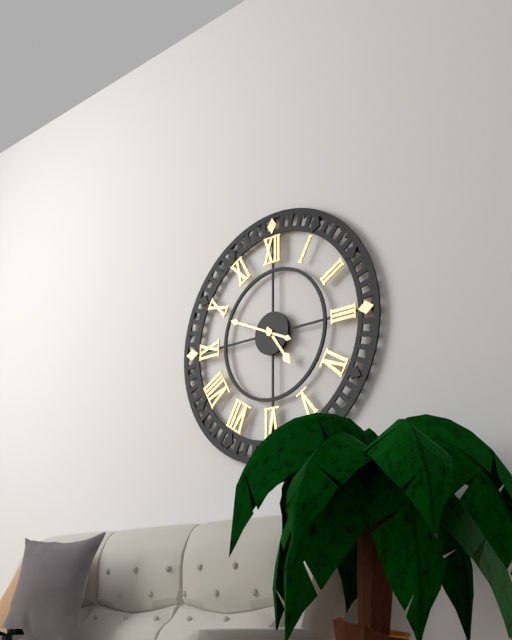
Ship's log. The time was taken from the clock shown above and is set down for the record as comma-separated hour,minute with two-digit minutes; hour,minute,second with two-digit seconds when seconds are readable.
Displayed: 4,49
